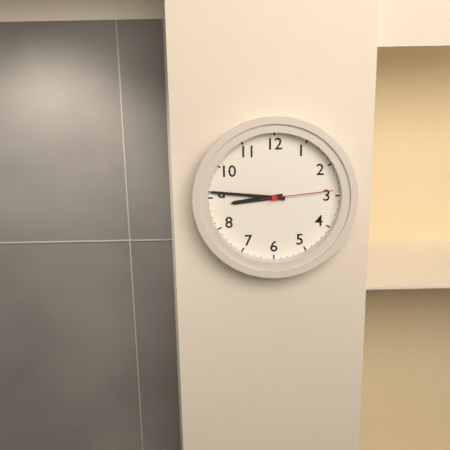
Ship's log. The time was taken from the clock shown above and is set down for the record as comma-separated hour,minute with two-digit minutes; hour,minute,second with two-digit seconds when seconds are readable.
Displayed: 8,46,14
